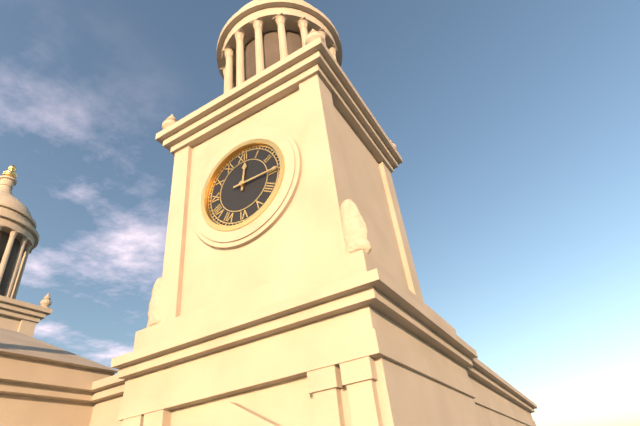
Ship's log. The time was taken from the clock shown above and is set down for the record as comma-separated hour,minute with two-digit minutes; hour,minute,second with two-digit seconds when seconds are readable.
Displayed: 12,15
